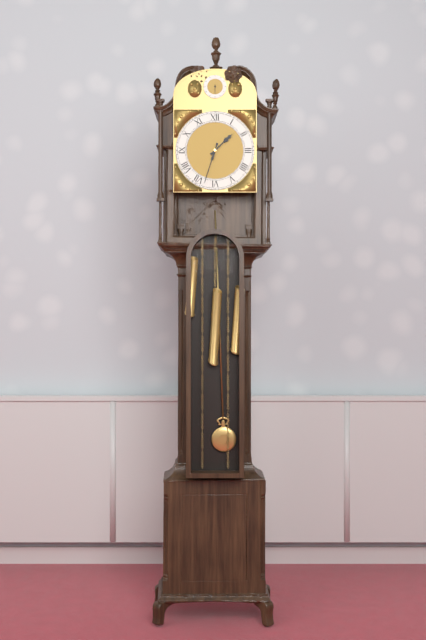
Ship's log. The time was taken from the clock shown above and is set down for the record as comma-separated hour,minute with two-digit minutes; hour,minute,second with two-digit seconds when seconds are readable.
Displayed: 1,33
